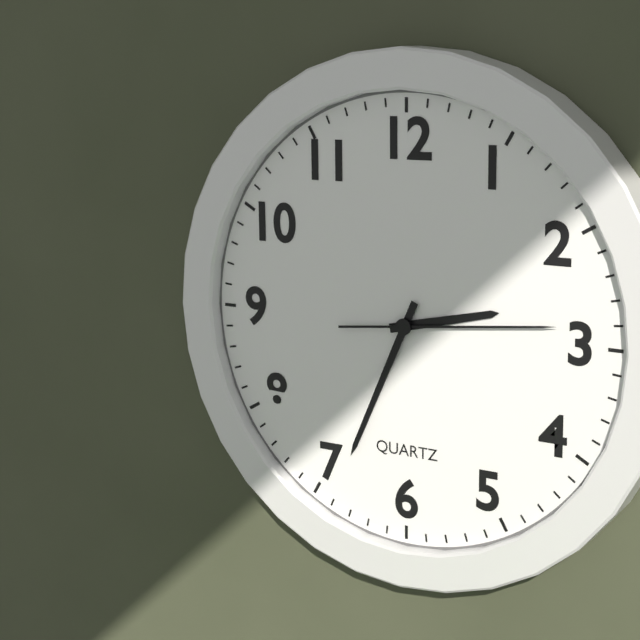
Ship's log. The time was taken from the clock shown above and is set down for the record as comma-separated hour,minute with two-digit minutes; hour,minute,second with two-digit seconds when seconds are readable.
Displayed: 2,34,14
